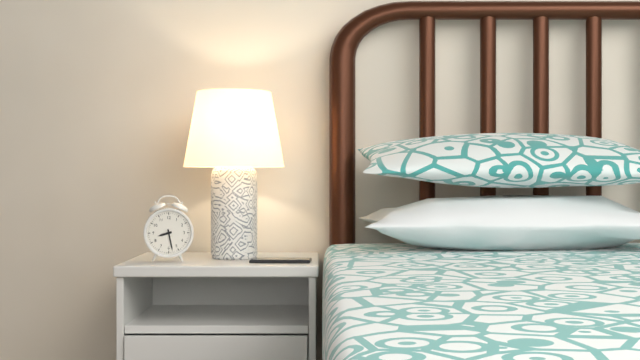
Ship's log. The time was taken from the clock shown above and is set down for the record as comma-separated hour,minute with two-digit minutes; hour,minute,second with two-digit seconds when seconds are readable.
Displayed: 8,28
